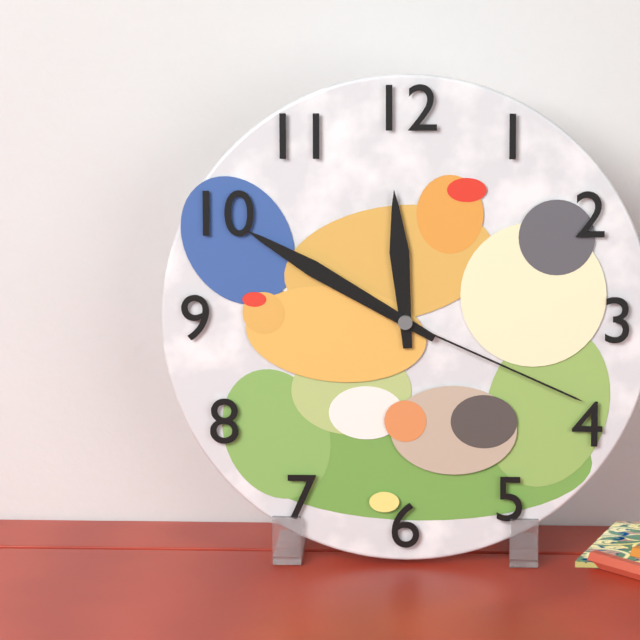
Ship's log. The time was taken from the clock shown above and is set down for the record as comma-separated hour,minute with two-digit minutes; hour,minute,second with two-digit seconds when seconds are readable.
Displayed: 11,50,19
